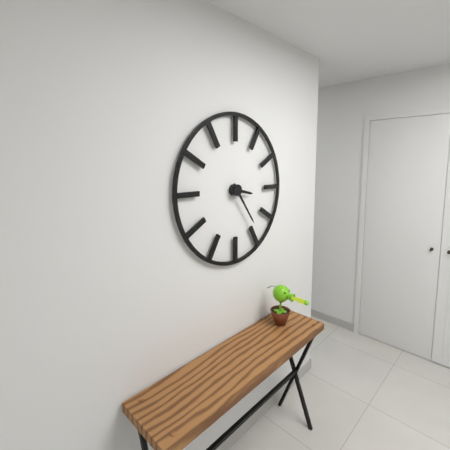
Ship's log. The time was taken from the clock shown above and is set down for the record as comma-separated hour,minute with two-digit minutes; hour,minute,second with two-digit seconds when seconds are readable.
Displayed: 3,24
